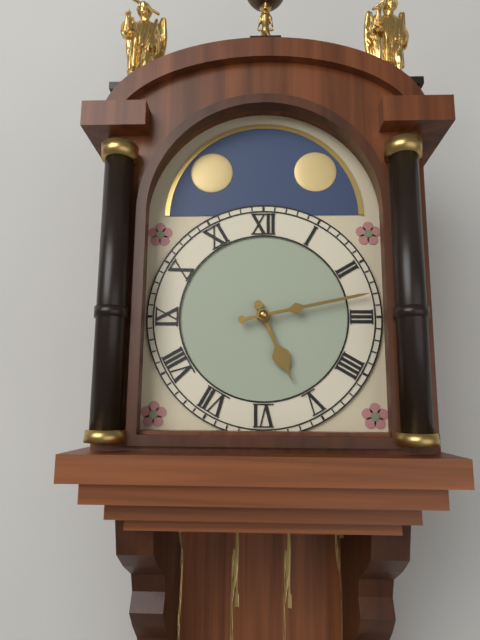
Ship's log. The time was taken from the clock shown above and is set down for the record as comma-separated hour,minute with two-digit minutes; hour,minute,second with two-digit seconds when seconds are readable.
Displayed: 5,13
